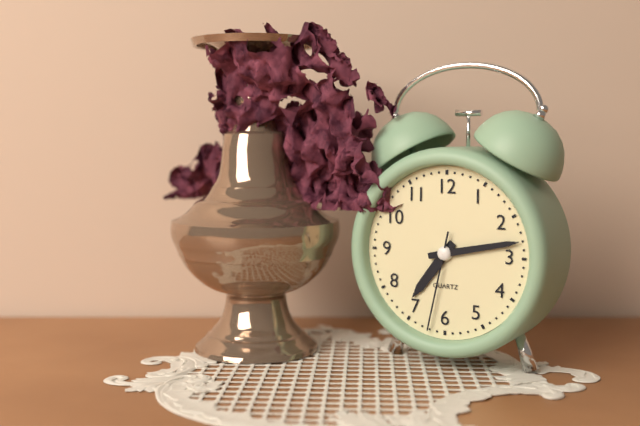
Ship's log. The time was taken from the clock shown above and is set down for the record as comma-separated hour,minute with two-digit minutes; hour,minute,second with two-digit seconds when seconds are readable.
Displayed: 7,13,32
